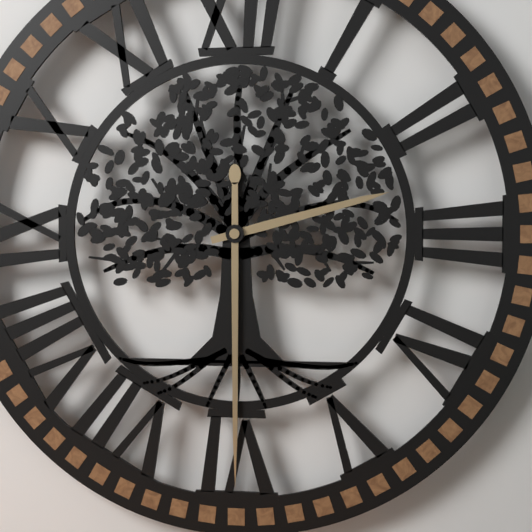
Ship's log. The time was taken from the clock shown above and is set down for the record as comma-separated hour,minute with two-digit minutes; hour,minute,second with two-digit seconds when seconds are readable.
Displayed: 2,30
